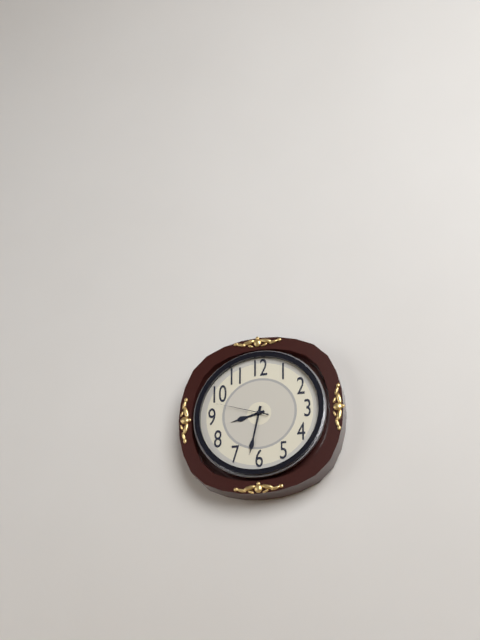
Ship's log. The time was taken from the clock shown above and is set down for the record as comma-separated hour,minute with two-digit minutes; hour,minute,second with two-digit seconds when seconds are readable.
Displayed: 8,32,48
